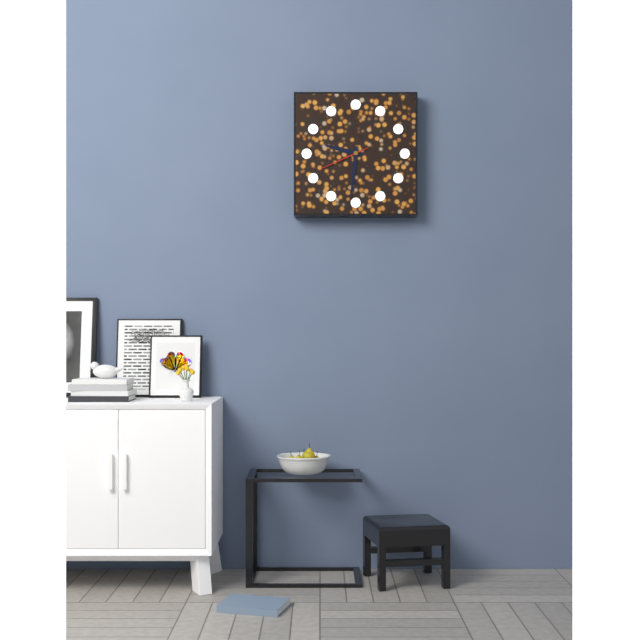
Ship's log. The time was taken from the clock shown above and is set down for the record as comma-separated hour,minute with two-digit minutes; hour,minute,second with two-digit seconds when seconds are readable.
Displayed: 9,31
